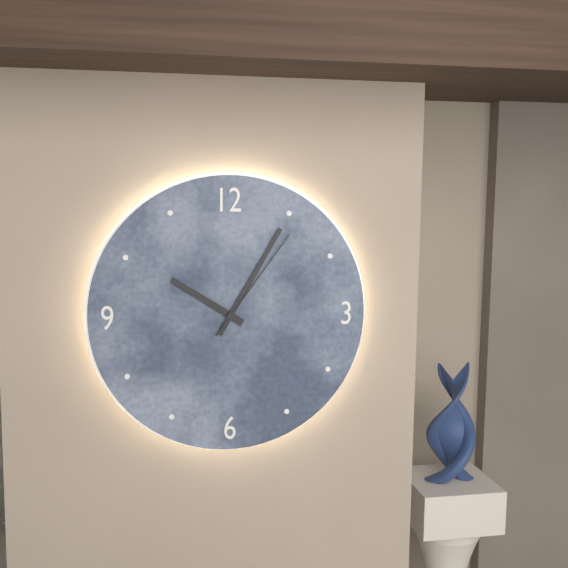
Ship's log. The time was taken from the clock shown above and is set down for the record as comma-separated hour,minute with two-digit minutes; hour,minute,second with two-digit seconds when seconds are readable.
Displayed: 10,05,06
